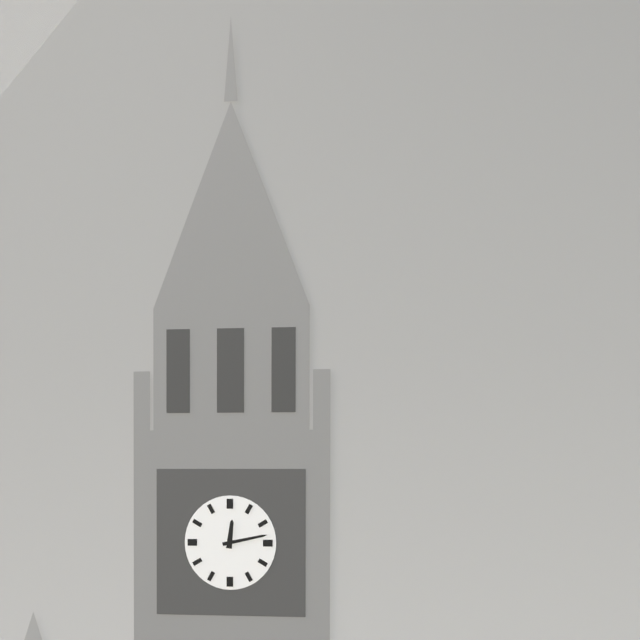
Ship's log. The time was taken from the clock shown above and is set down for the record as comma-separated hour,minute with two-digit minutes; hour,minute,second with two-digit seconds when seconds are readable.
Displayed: 12,13
